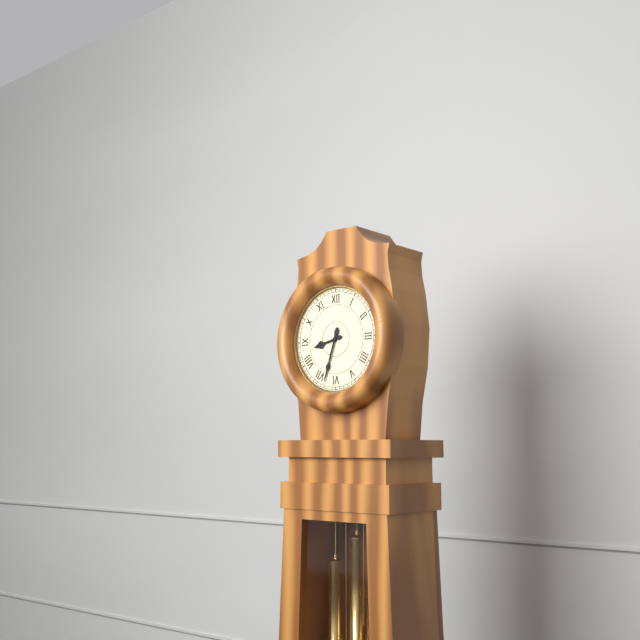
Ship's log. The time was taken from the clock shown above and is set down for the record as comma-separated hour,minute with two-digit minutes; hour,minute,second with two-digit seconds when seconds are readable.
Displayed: 8,33
